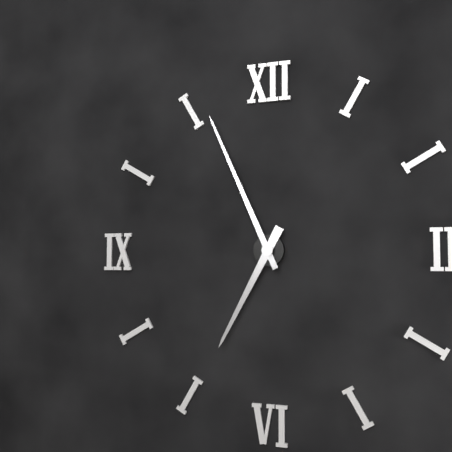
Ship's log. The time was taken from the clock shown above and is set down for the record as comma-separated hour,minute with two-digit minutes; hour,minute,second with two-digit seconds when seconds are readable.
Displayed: 6,56
